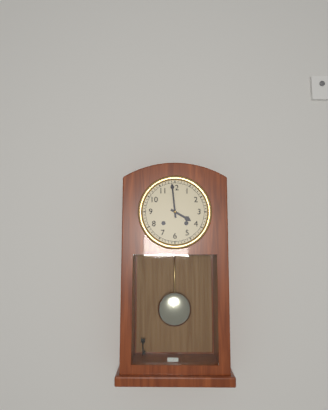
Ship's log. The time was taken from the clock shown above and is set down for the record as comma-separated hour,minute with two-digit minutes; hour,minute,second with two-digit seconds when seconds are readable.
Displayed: 3,59
